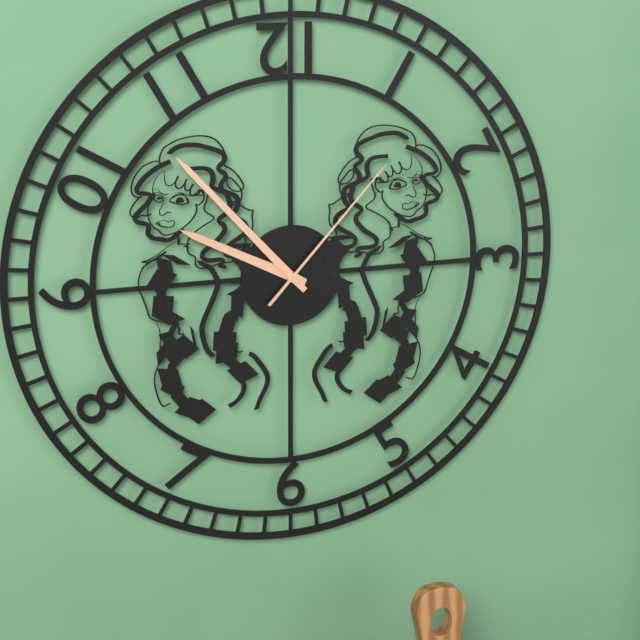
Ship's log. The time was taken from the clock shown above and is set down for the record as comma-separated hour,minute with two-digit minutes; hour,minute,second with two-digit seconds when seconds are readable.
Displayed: 9,53,07
